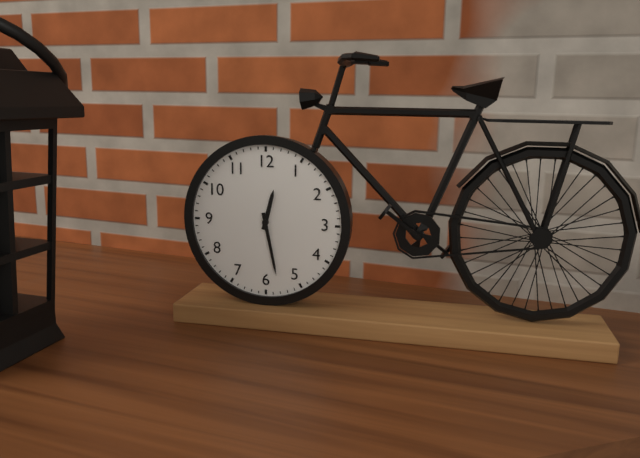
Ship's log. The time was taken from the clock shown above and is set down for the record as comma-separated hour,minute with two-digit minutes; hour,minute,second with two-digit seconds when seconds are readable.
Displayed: 12,28
